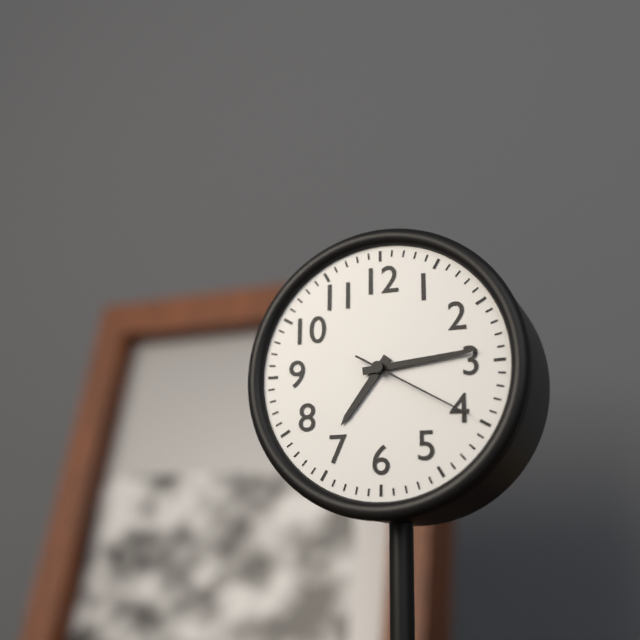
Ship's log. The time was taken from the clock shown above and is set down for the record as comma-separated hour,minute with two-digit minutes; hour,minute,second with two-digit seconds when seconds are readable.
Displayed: 7,14,20
